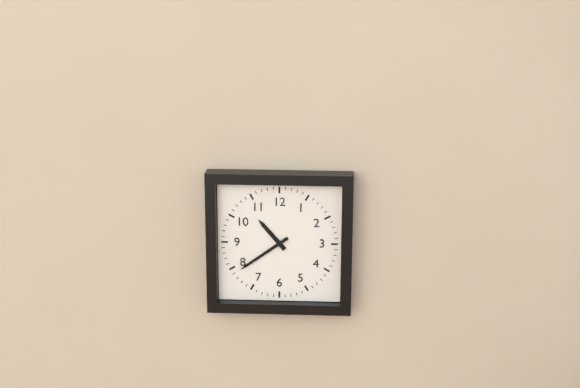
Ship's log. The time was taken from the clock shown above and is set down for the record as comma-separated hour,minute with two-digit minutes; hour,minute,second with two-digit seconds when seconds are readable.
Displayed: 10,39
